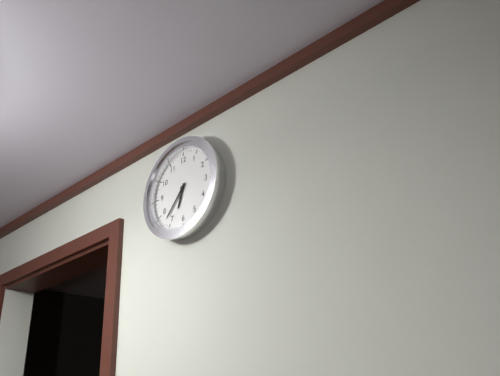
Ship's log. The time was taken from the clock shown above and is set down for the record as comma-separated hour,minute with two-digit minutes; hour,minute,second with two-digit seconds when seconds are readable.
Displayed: 6,37
